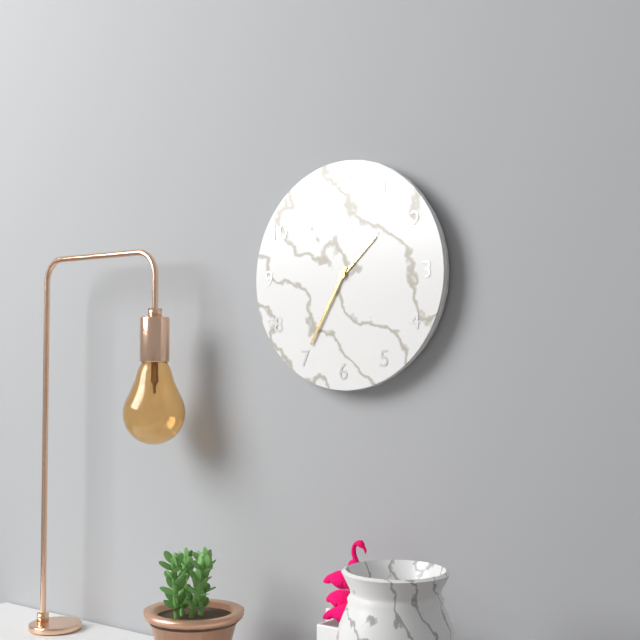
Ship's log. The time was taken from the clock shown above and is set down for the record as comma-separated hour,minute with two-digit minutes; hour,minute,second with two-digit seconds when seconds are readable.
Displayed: 1,35
